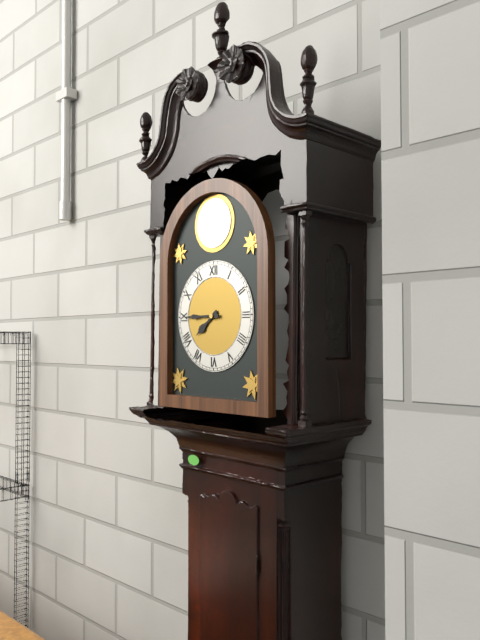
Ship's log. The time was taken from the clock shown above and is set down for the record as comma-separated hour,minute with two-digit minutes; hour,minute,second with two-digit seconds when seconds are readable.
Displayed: 7,45
